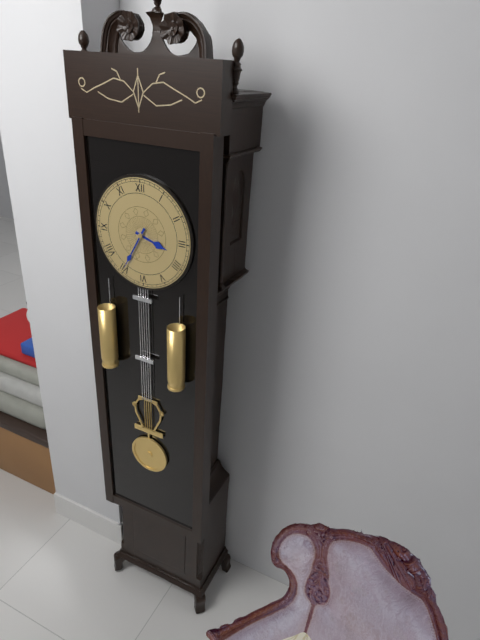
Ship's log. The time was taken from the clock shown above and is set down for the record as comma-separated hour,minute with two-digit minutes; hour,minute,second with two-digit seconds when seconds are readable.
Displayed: 3,35
